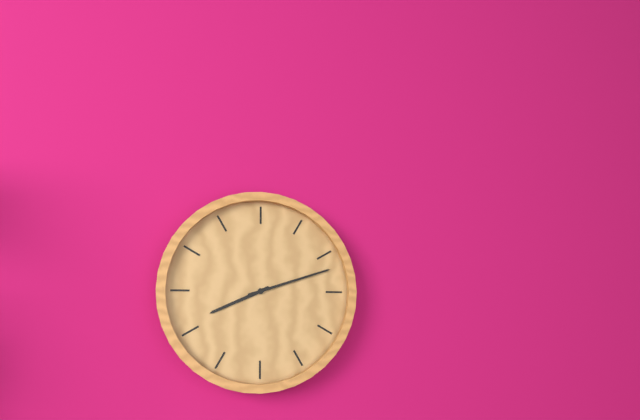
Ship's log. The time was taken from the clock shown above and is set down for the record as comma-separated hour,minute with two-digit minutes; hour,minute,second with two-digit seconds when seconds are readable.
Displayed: 8,12
